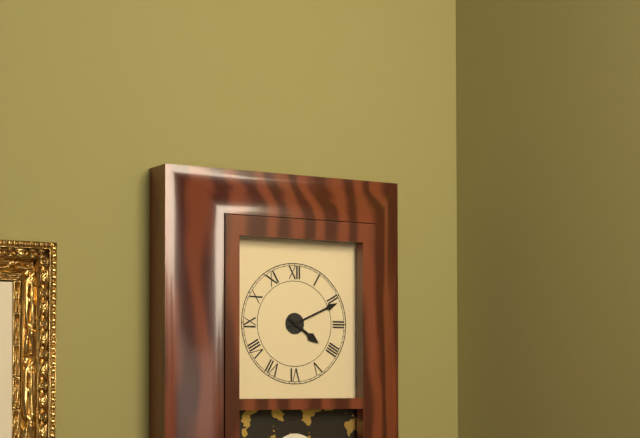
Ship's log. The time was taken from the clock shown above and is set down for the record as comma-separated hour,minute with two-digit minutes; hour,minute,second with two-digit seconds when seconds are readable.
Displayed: 4,11
